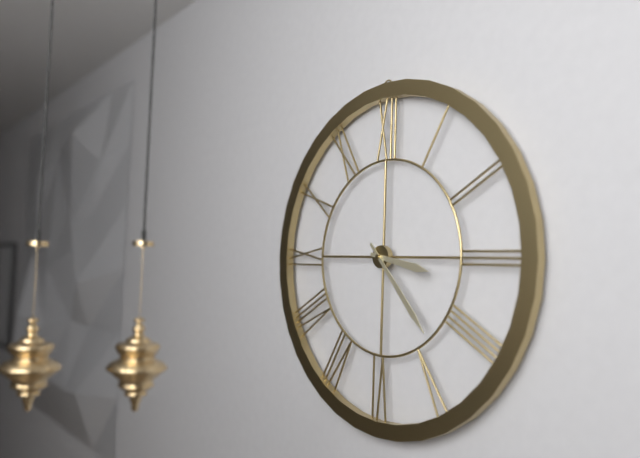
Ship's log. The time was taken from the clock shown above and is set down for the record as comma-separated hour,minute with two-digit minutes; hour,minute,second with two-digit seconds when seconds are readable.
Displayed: 3,23
